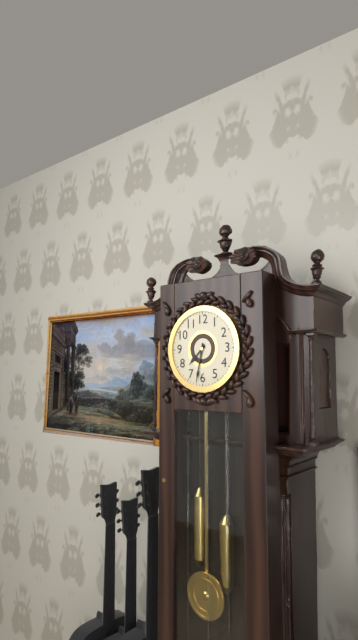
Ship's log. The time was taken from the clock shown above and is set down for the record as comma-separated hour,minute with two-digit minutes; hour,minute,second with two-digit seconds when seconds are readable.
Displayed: 7,32
